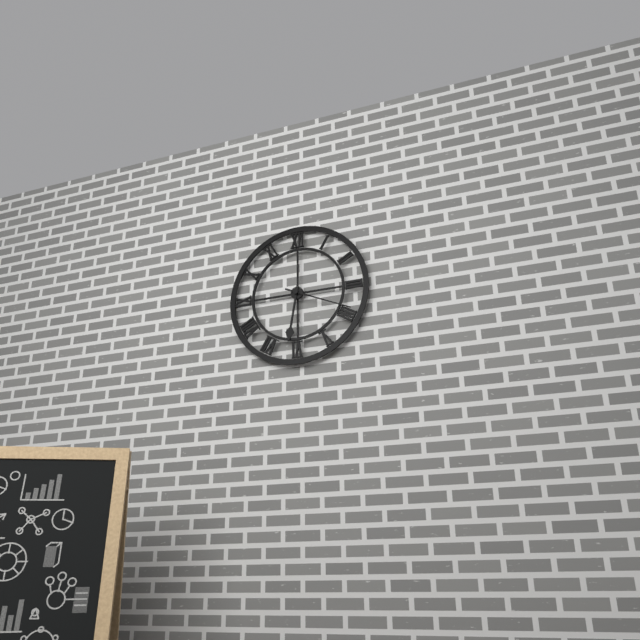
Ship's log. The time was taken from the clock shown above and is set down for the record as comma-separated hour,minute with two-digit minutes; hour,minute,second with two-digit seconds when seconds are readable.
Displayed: 6,19
